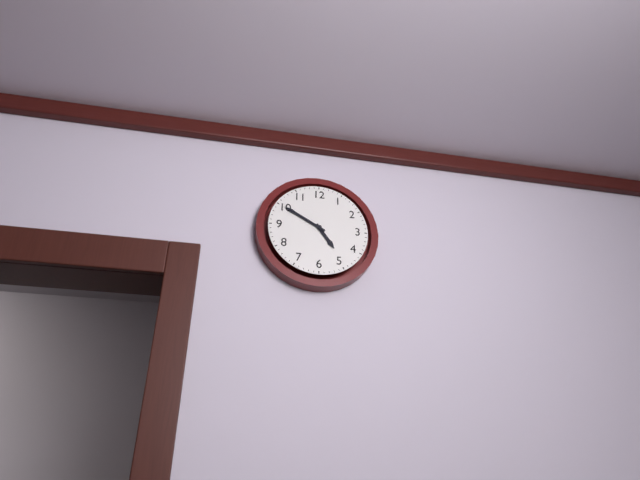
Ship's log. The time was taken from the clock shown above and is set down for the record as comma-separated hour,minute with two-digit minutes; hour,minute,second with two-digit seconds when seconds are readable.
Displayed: 4,50
